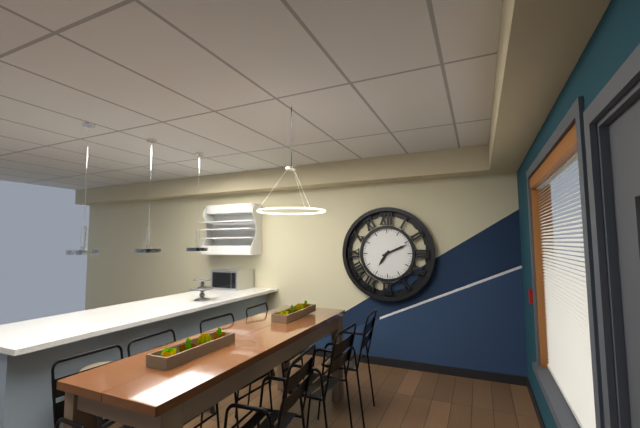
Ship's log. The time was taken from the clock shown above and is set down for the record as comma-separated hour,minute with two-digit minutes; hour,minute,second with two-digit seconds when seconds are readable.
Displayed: 7,11
